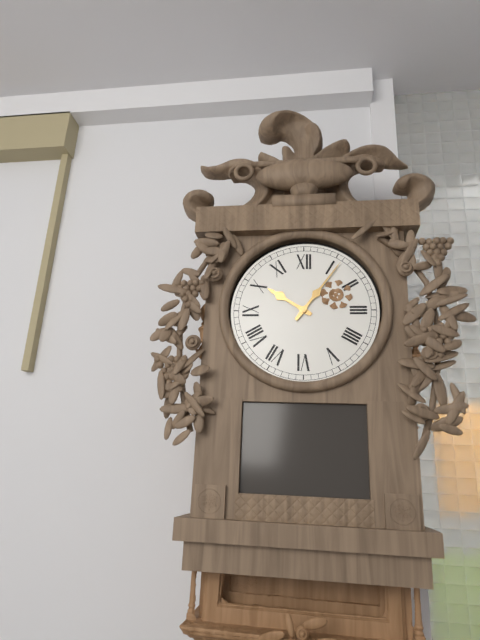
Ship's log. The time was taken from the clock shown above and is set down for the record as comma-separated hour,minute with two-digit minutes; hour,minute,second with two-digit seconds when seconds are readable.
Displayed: 10,06
